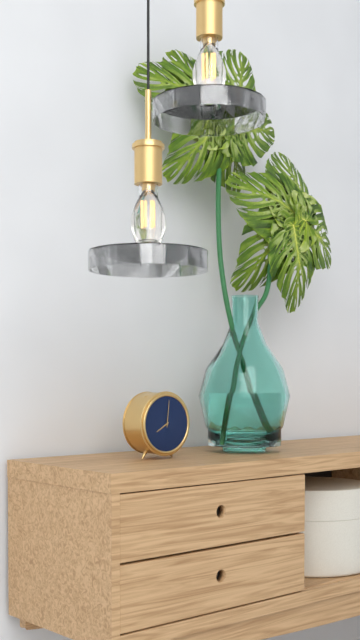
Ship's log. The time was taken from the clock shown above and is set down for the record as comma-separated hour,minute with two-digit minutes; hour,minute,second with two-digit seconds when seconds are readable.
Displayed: 8,01
